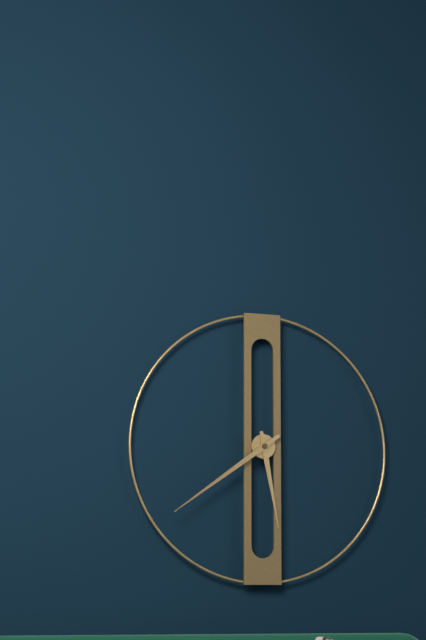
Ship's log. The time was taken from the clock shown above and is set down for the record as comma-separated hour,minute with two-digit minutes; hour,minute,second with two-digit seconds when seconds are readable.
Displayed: 5,39
